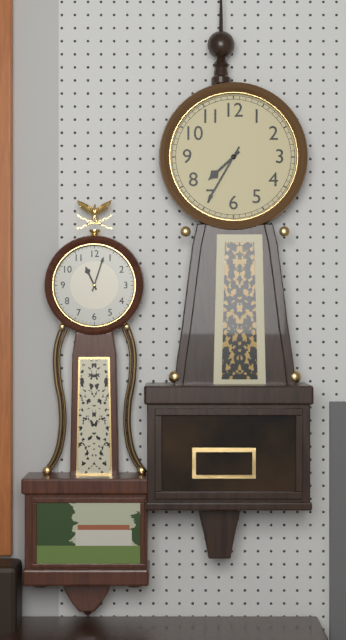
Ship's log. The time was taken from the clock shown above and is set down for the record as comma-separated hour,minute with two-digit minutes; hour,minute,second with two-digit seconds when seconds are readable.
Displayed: 7,35
